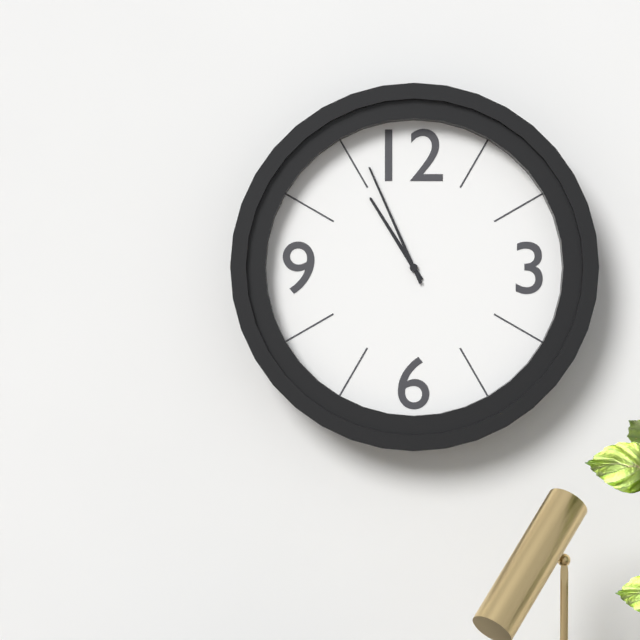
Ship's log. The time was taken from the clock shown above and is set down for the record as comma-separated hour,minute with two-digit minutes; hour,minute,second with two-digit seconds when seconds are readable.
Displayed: 10,56
